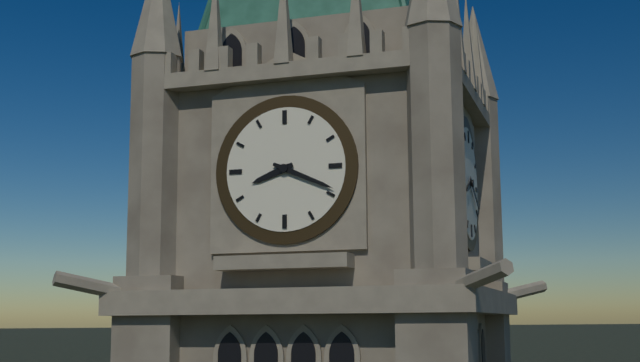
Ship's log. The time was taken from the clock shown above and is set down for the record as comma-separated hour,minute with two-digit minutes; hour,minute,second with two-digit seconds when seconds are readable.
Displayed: 8,19
